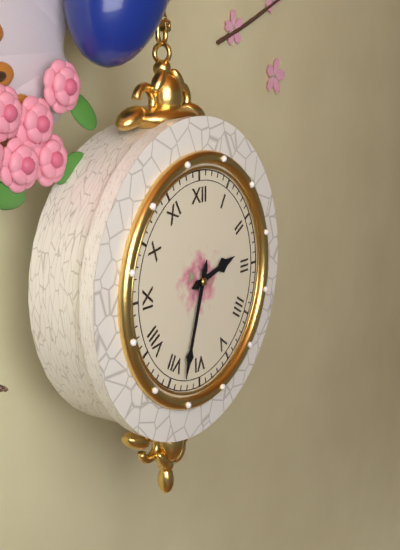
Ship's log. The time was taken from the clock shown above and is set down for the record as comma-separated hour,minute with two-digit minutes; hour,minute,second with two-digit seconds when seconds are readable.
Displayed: 2,33
